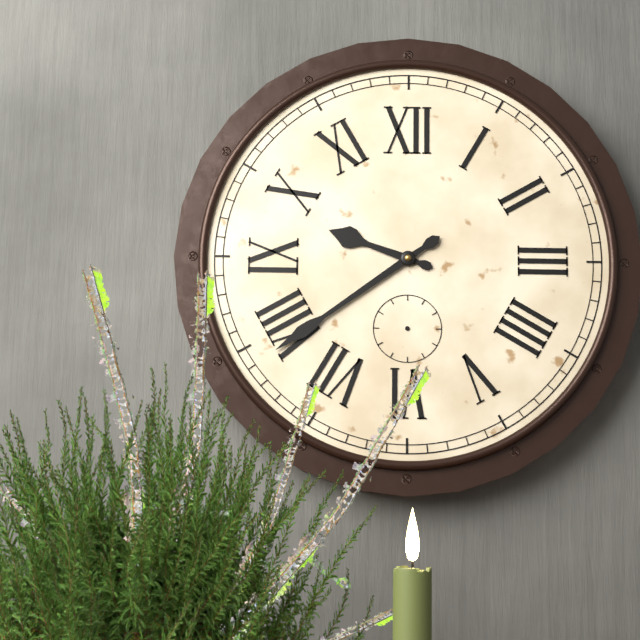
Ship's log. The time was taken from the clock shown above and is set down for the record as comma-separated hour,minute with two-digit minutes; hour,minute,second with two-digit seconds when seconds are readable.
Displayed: 9,39
